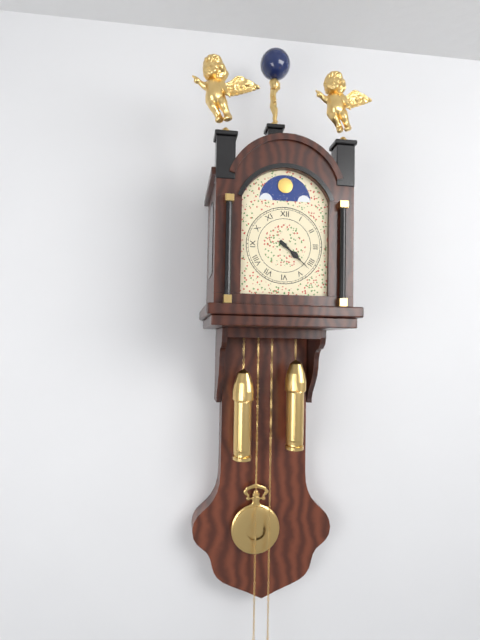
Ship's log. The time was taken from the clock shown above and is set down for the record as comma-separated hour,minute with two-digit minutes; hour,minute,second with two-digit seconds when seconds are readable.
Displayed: 4,22
